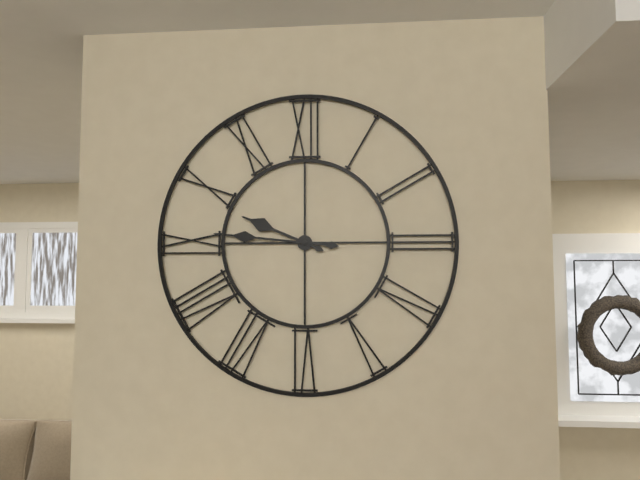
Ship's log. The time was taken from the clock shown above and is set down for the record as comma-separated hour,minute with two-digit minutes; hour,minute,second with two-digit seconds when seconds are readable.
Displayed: 9,46
